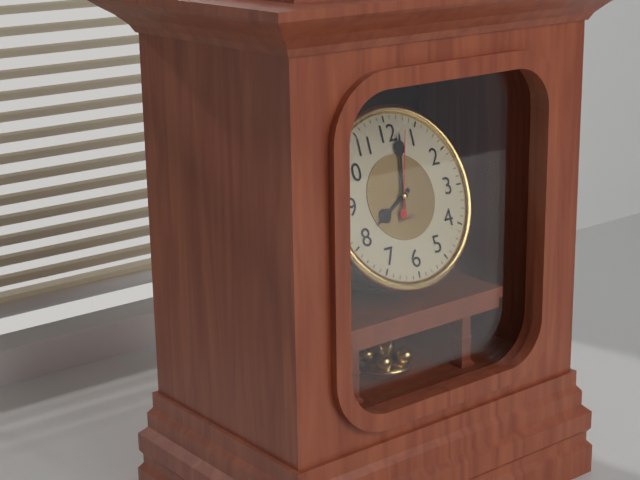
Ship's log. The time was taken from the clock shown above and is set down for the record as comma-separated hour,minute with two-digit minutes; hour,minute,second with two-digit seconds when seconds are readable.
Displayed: 8,02,03
